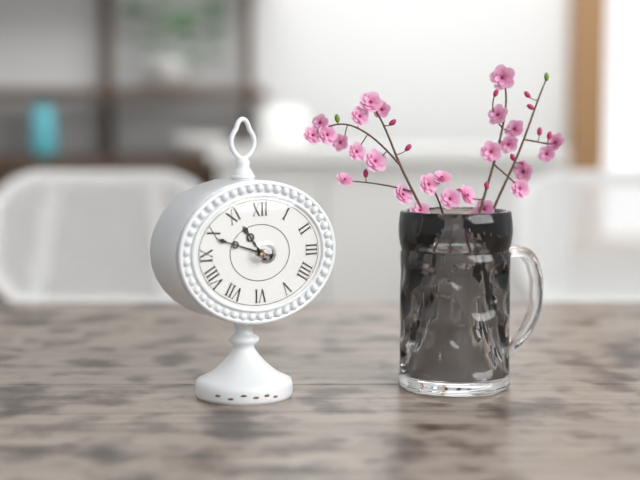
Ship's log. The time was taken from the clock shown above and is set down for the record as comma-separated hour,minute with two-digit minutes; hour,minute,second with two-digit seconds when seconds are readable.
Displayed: 10,48
